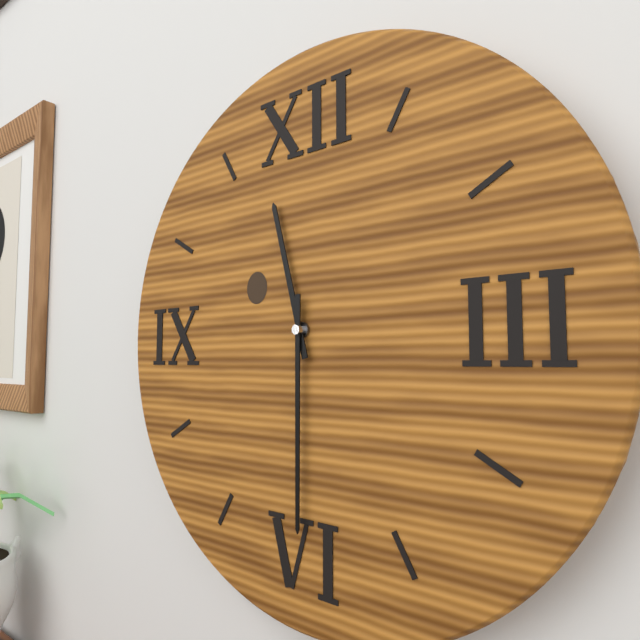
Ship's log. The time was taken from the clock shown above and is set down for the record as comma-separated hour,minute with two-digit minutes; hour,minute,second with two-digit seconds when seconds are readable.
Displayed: 11,30
